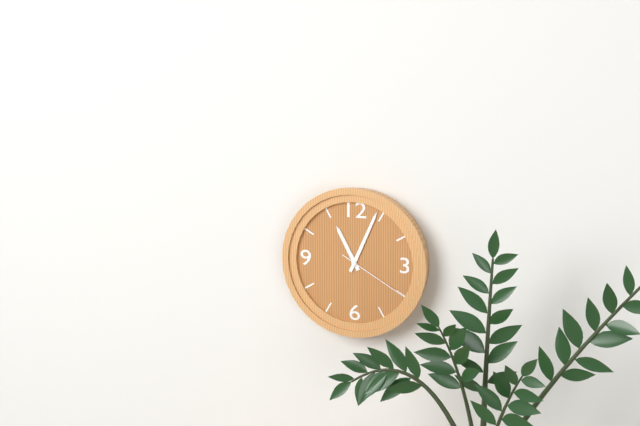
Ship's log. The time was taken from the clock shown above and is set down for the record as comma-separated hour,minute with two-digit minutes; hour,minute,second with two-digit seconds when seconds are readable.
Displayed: 11,04,20
